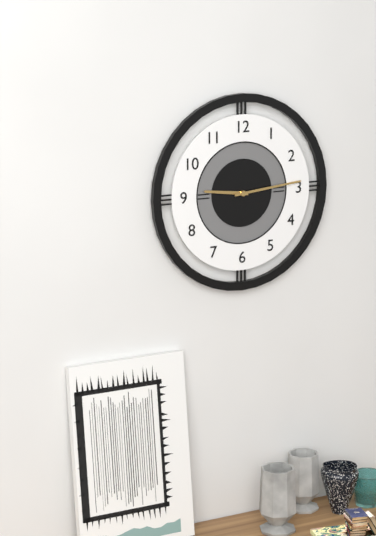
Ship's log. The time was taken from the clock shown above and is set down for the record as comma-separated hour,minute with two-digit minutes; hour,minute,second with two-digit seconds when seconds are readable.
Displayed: 9,14
